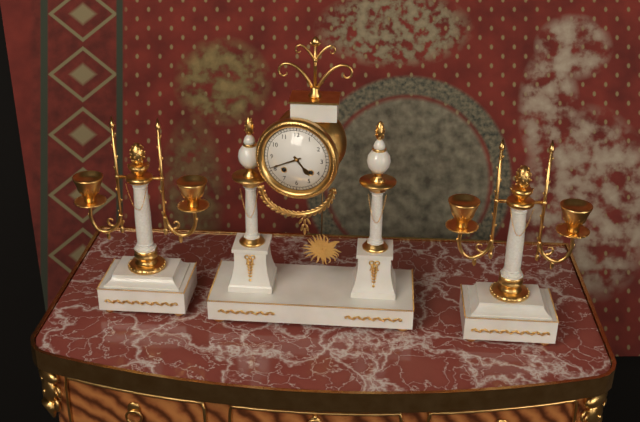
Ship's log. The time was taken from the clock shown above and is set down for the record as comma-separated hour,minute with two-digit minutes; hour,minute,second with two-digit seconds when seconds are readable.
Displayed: 4,41
